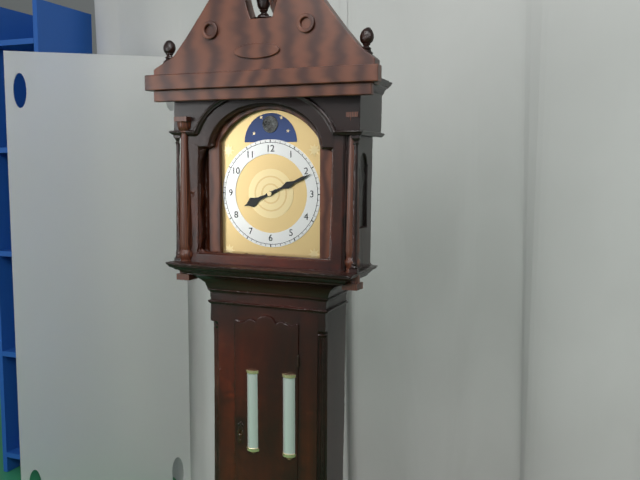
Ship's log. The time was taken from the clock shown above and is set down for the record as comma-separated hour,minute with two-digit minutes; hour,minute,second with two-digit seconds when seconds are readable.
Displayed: 8,11
